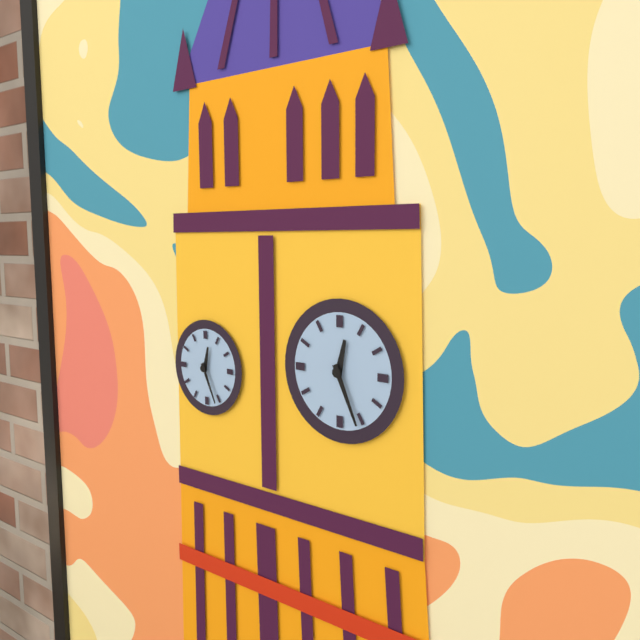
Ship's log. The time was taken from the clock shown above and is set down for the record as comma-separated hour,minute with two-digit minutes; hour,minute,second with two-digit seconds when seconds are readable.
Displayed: 12,26
